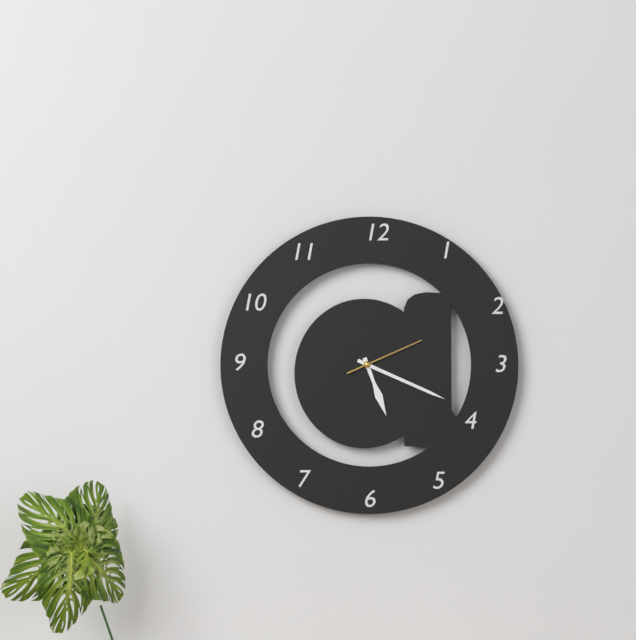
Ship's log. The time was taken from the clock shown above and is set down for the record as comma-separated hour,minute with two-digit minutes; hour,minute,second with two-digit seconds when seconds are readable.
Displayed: 5,19,11
